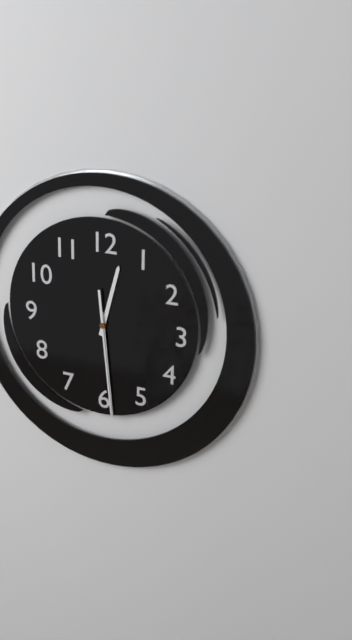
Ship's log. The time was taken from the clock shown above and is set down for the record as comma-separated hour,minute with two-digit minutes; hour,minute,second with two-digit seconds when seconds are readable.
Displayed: 12,29,29
